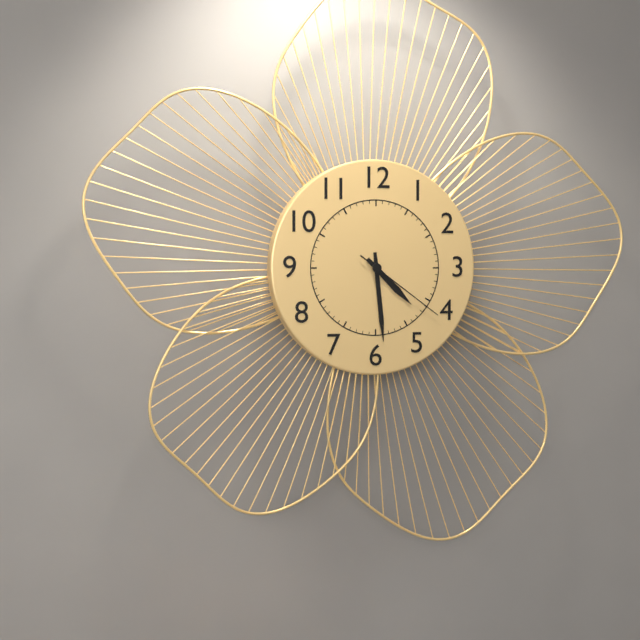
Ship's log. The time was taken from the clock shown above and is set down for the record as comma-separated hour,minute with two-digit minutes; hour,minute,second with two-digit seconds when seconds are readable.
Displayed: 4,29,21
